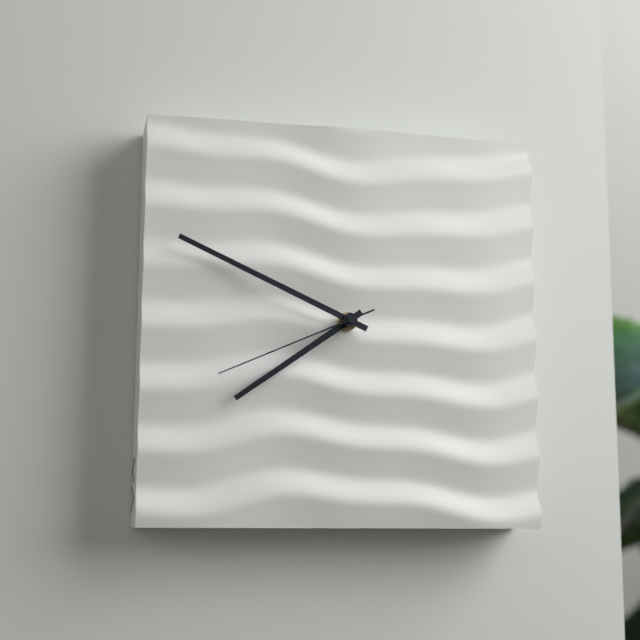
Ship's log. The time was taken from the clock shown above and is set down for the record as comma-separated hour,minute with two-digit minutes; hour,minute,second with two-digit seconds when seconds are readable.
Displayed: 7,49,41
